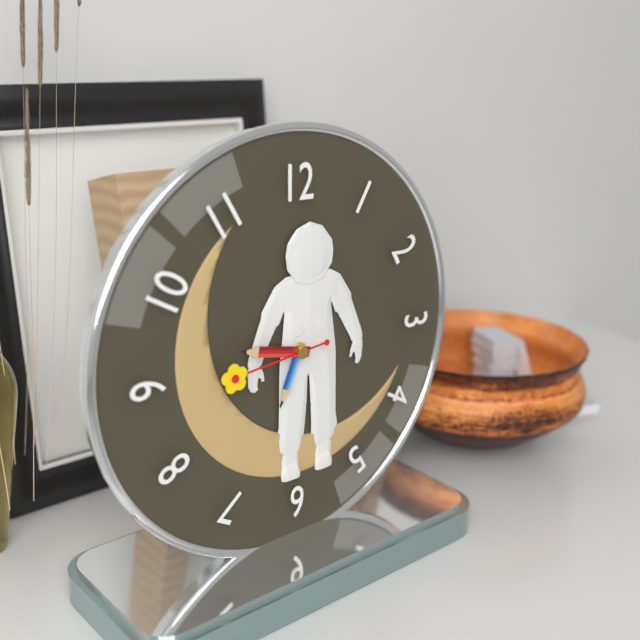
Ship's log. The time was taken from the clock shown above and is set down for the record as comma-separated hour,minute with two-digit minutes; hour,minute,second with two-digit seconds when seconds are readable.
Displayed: 6,47,44
